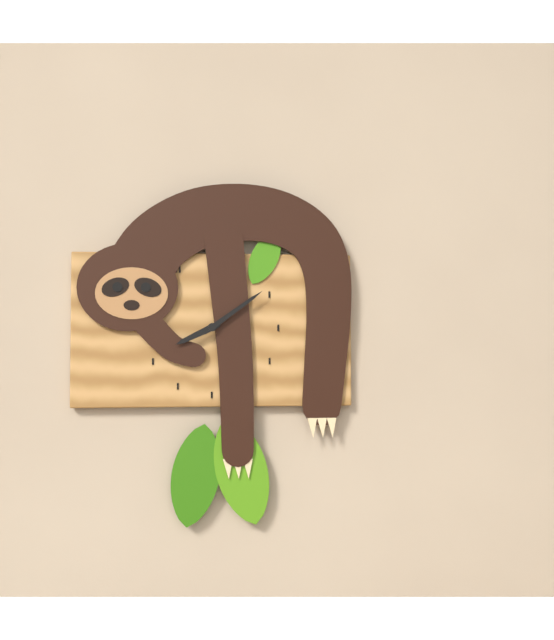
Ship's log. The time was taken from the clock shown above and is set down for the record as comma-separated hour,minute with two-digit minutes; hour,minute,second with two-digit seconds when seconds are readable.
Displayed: 8,09
